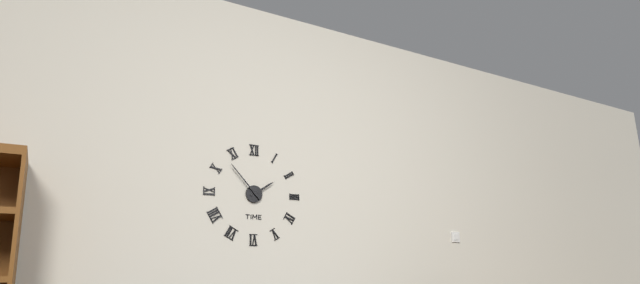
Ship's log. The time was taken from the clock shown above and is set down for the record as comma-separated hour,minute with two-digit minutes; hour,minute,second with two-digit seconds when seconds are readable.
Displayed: 1,53
